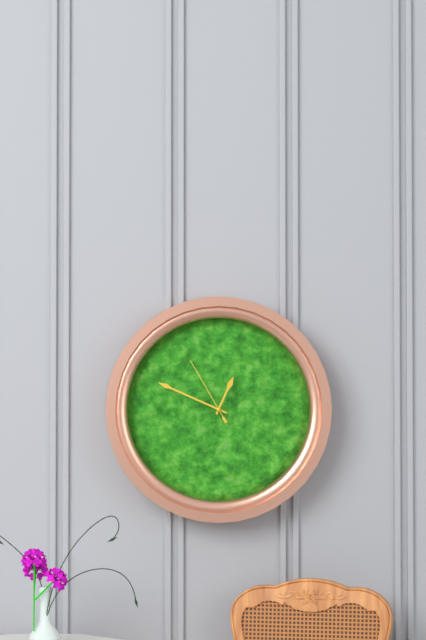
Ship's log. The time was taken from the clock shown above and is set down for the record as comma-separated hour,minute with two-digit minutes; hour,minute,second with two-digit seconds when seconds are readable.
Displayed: 12,49,55
